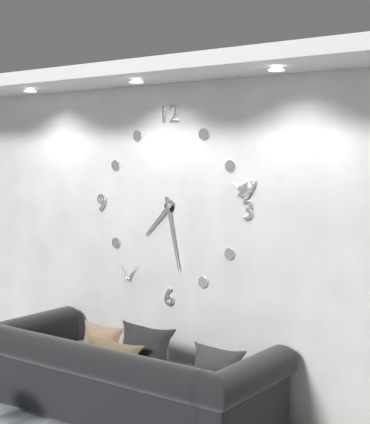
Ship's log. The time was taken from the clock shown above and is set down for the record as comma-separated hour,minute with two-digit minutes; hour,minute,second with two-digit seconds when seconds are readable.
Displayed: 7,28
